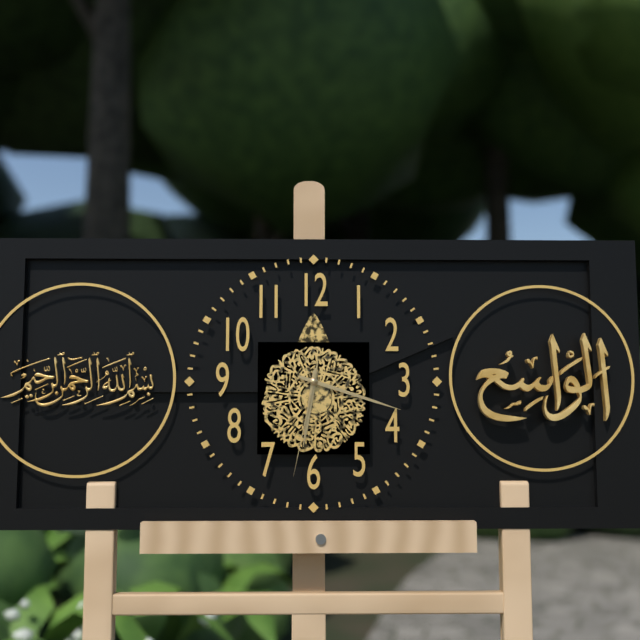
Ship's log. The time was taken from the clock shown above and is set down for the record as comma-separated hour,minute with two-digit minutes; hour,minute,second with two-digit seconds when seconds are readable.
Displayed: 6,18,32
